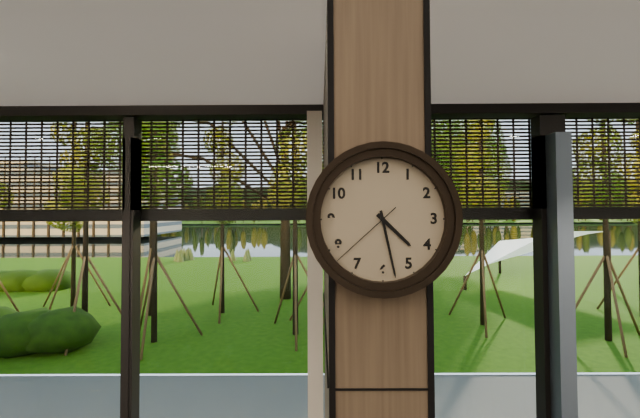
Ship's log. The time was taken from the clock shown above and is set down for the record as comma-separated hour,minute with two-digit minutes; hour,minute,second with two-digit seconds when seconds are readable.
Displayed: 4,28,38
